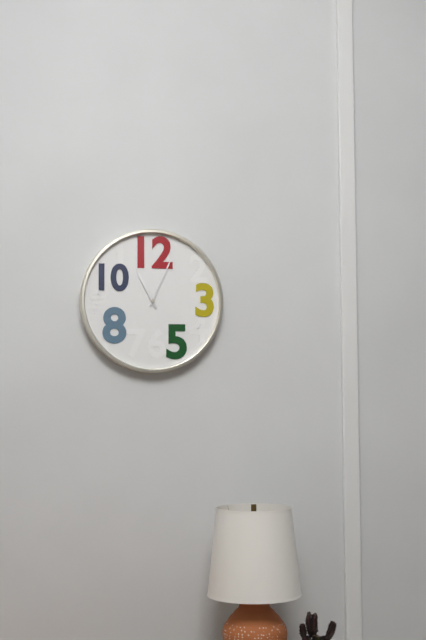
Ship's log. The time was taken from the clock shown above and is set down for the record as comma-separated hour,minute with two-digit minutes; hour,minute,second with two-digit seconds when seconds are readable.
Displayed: 11,04
